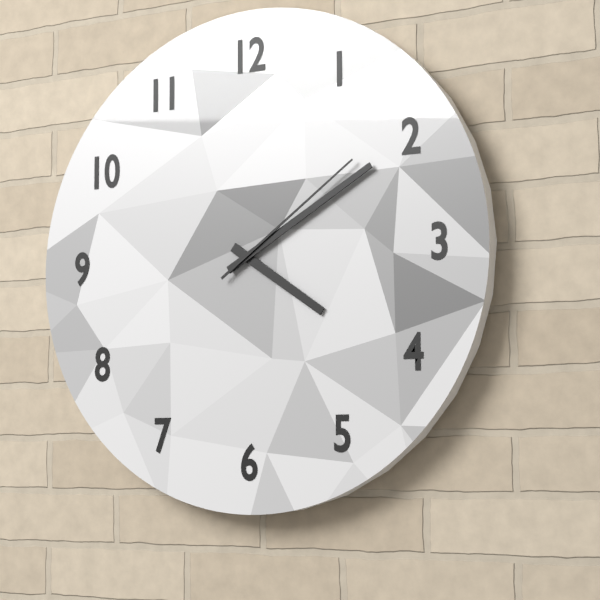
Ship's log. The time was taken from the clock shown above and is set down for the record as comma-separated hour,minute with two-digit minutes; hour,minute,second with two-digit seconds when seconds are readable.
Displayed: 4,10,09
